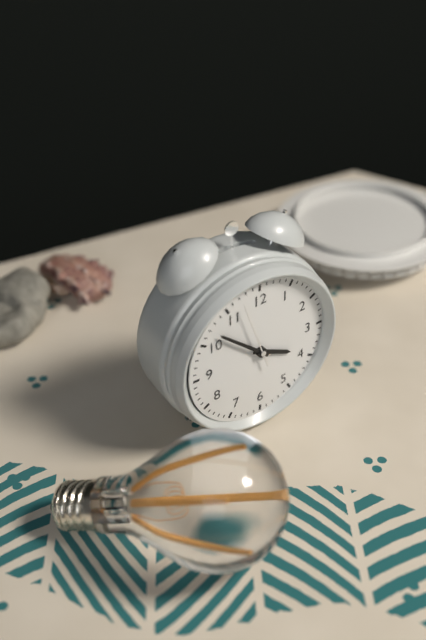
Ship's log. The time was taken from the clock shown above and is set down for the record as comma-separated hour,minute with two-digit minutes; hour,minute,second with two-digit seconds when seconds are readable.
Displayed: 3,52,57
